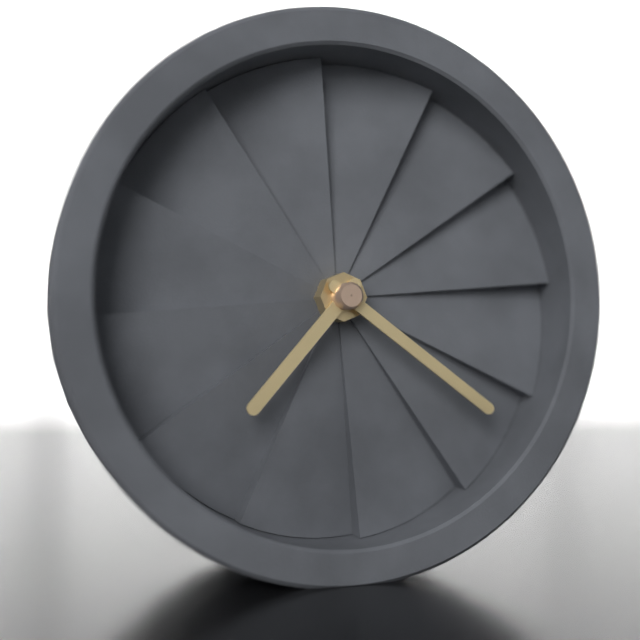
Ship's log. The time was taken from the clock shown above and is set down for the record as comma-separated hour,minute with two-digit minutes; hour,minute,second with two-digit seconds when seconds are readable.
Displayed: 7,21
